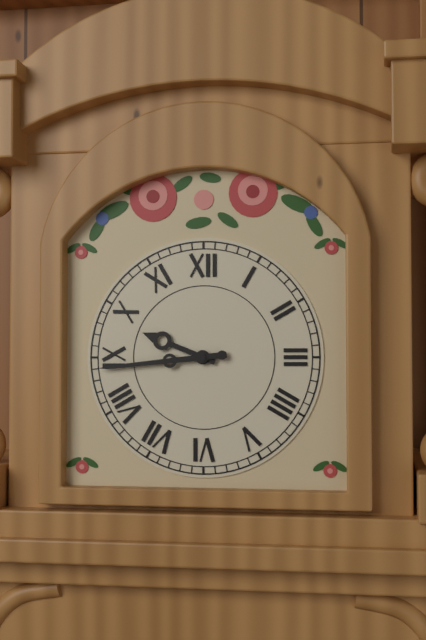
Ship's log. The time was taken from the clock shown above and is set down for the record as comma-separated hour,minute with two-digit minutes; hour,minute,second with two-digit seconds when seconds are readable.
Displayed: 9,44
